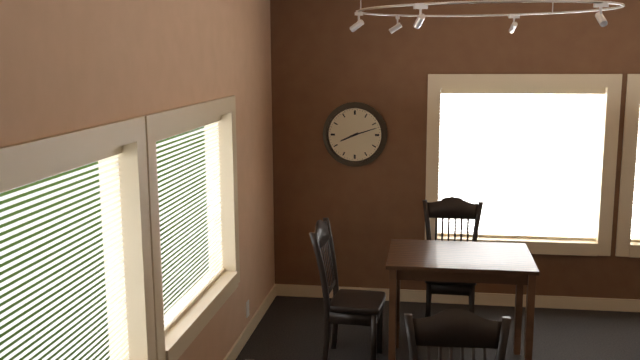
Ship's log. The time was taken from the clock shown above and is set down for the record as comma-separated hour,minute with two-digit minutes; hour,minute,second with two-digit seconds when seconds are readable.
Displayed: 8,12
